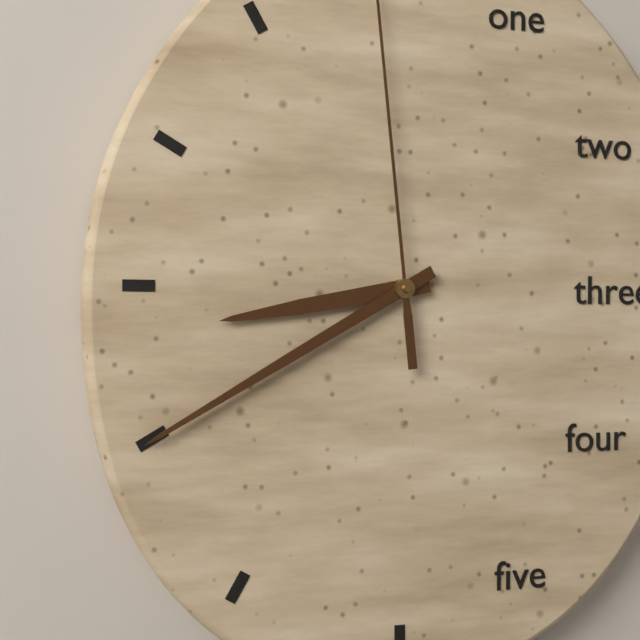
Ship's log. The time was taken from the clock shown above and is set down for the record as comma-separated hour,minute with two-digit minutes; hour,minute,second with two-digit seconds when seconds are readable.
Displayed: 8,40
